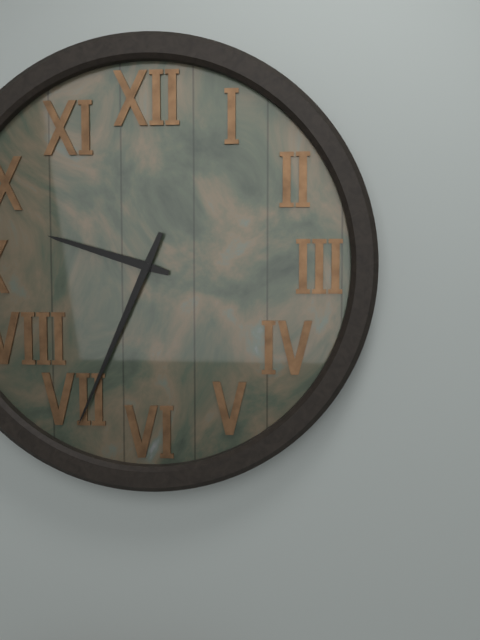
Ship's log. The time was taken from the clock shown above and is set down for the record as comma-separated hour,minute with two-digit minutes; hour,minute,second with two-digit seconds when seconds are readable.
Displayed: 9,34
